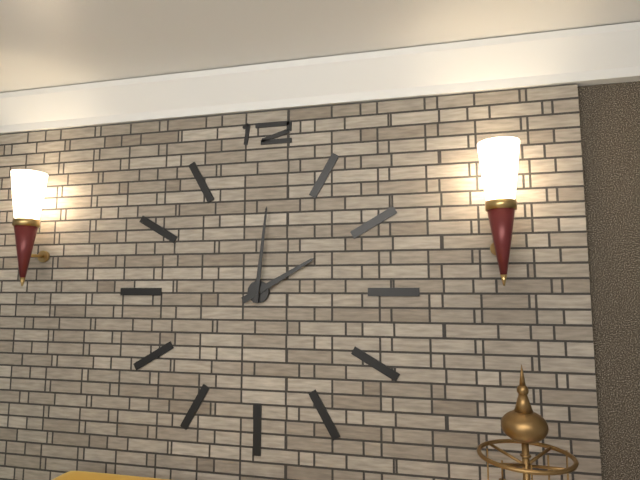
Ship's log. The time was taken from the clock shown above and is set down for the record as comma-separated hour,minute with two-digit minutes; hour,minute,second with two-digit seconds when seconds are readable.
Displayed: 2,01
